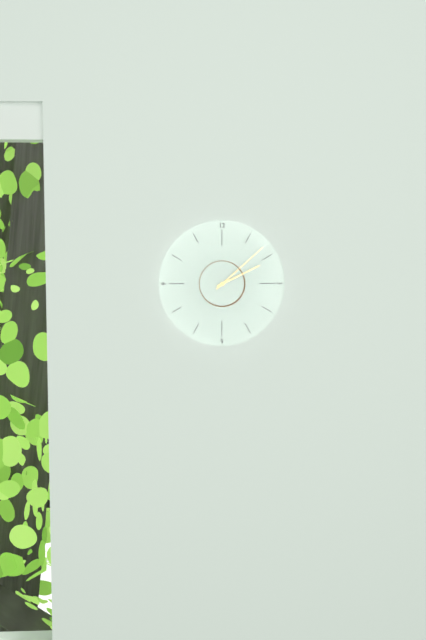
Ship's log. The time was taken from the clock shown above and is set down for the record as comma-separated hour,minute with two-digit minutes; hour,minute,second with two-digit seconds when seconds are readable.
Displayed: 2,08
